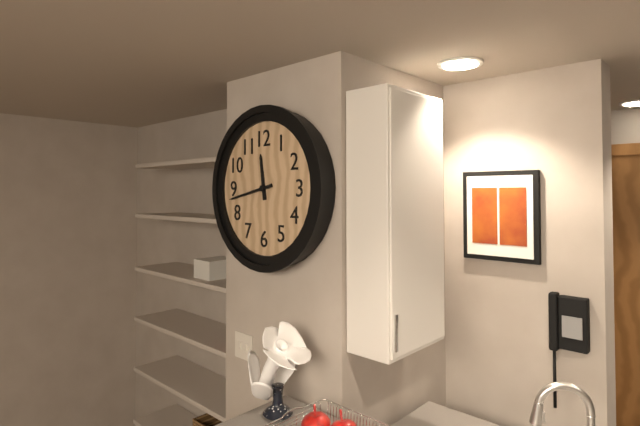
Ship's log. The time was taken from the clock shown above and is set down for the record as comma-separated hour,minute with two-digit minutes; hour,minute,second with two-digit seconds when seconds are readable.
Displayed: 11,43
